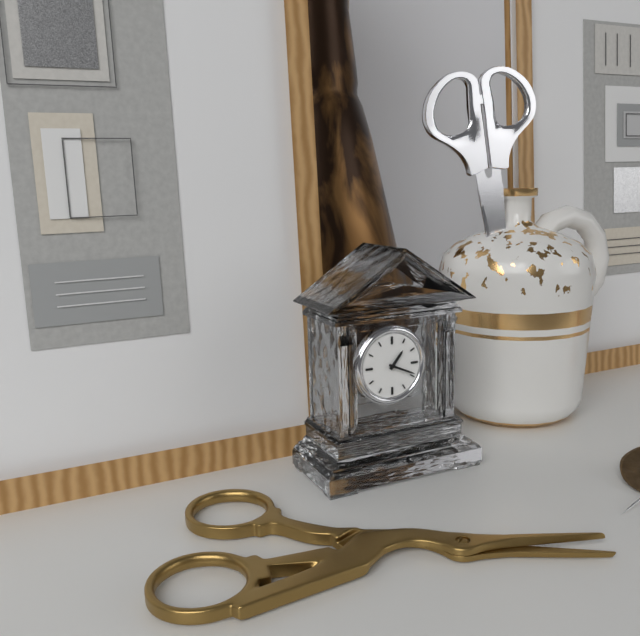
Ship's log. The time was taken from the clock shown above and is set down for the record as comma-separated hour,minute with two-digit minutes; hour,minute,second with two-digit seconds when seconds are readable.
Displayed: 1,19
